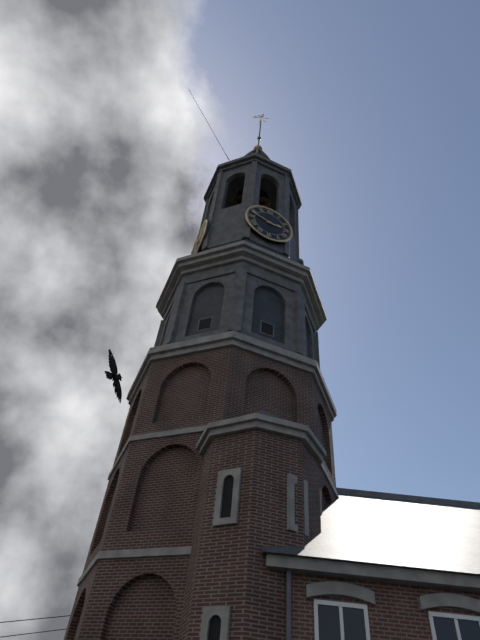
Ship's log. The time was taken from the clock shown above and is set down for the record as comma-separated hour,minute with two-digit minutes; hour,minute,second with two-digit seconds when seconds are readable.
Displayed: 2,48
